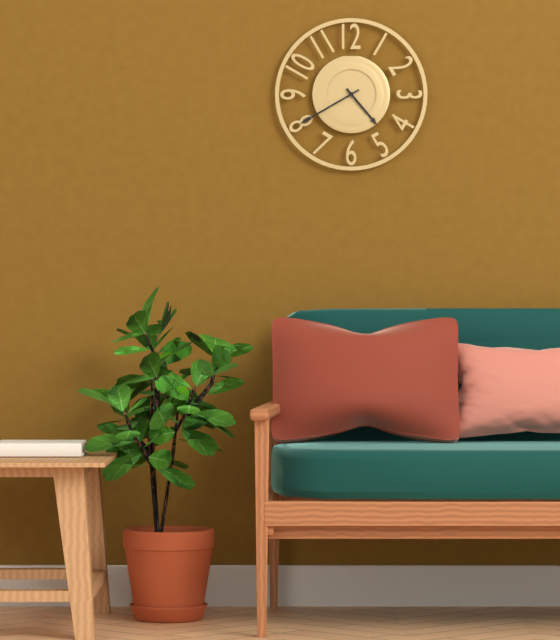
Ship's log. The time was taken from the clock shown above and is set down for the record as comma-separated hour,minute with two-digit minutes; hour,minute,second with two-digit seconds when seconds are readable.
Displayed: 4,40
